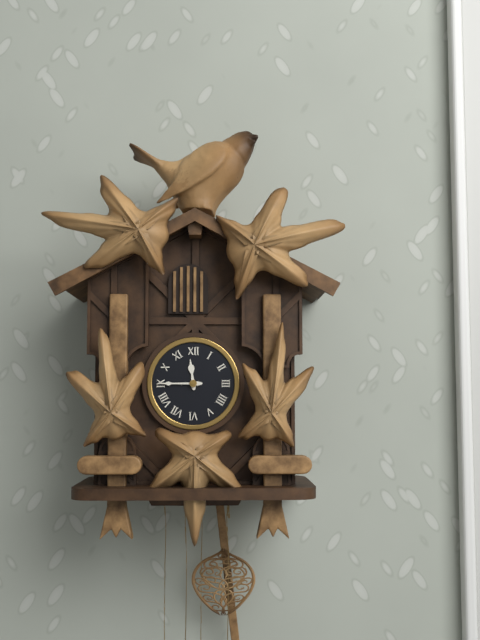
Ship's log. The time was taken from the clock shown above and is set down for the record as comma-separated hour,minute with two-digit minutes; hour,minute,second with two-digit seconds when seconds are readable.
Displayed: 11,45
